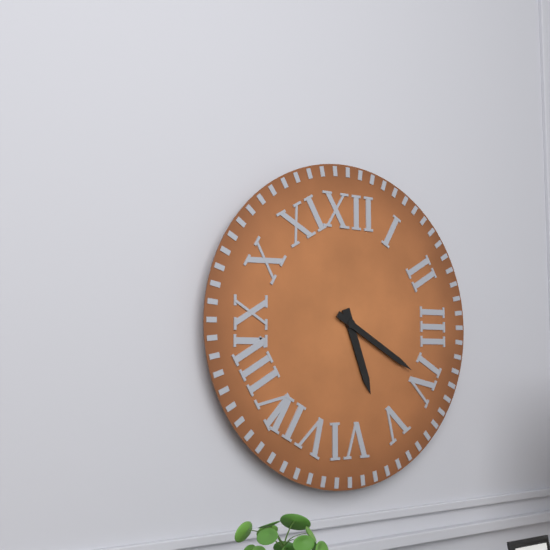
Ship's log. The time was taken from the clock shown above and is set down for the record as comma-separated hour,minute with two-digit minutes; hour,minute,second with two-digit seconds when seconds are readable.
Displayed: 5,20
